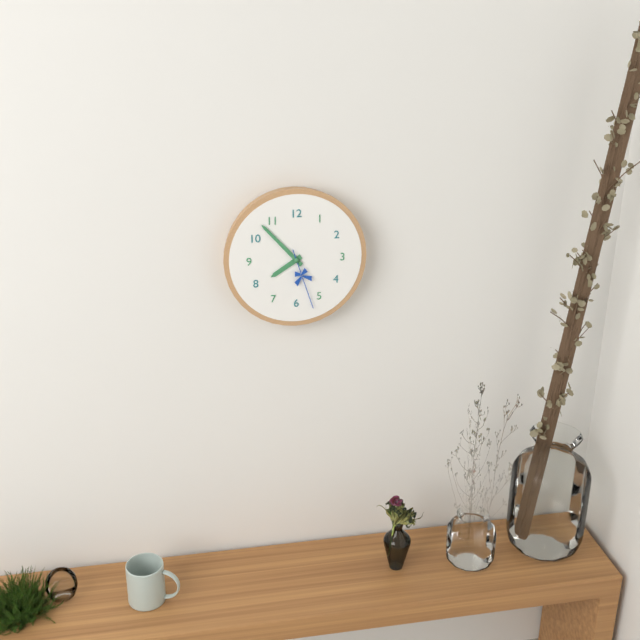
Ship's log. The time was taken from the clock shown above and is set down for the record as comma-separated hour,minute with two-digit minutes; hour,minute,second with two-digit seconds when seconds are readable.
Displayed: 7,53,27
